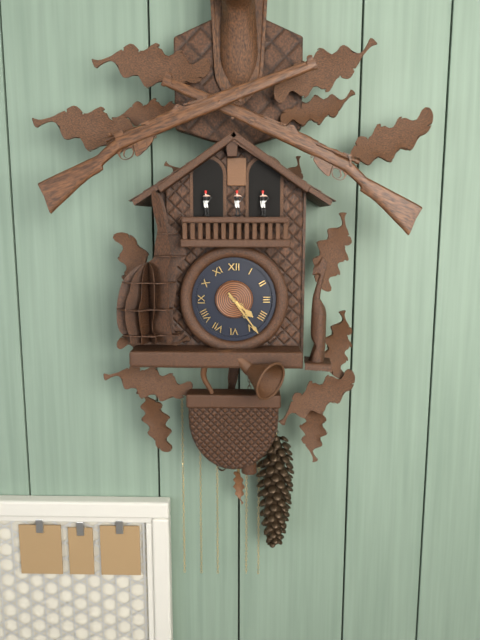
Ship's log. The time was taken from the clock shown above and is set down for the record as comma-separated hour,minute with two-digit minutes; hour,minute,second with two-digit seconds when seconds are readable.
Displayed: 4,24
